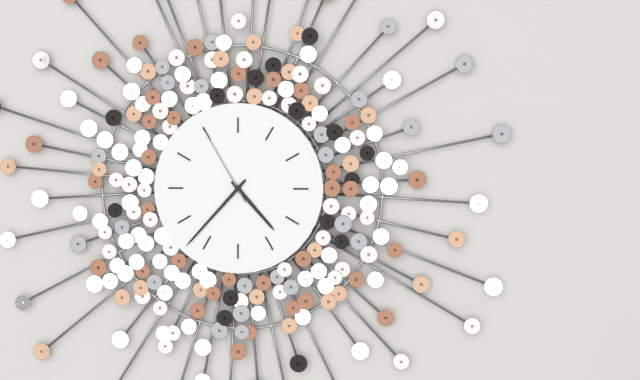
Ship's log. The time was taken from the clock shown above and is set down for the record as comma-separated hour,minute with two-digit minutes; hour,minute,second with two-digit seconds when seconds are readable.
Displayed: 4,37,55
